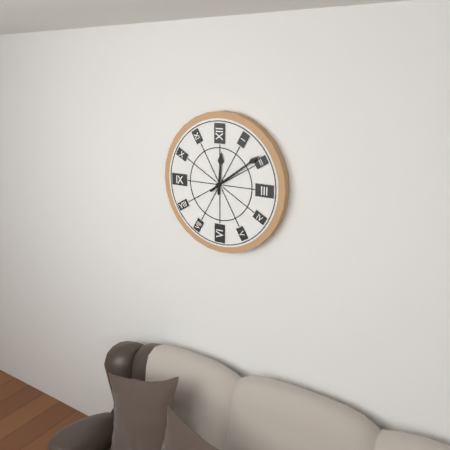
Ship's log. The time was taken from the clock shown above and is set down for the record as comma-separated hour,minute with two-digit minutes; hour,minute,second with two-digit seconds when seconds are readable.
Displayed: 12,09
